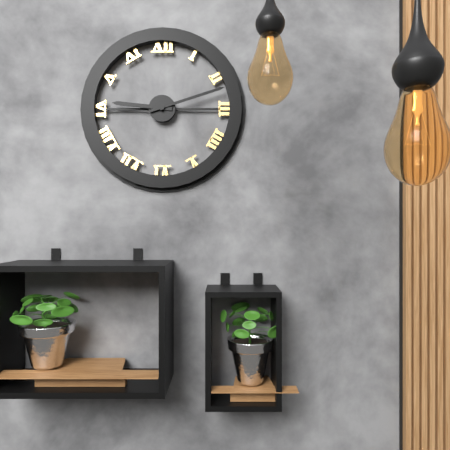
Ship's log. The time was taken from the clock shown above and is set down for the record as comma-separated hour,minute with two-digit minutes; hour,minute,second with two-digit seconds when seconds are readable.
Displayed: 9,12
